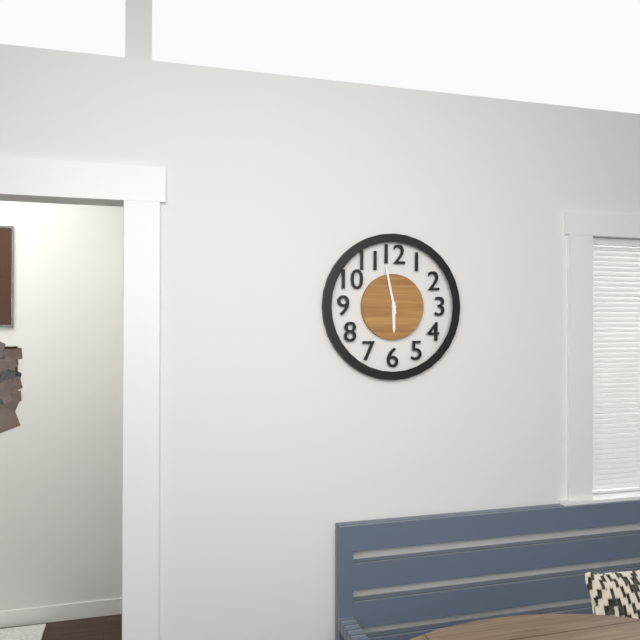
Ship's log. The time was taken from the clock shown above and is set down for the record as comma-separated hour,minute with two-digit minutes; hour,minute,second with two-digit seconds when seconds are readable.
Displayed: 5,58
